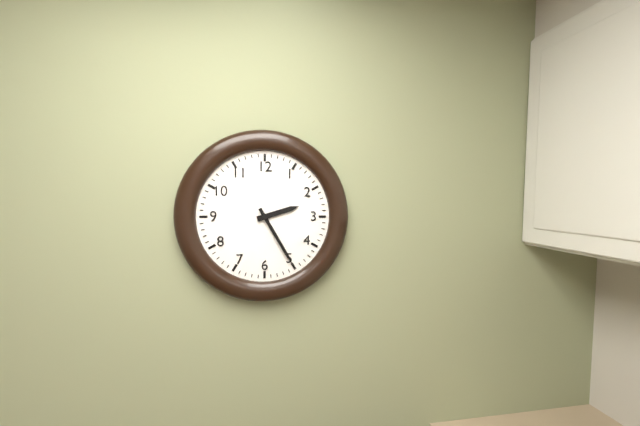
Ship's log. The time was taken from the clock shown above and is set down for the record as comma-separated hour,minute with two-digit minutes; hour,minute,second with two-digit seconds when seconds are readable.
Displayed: 2,25
